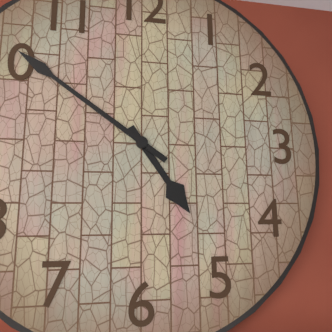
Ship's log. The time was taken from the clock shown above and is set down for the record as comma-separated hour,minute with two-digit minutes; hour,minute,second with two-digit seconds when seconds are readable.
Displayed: 4,51
